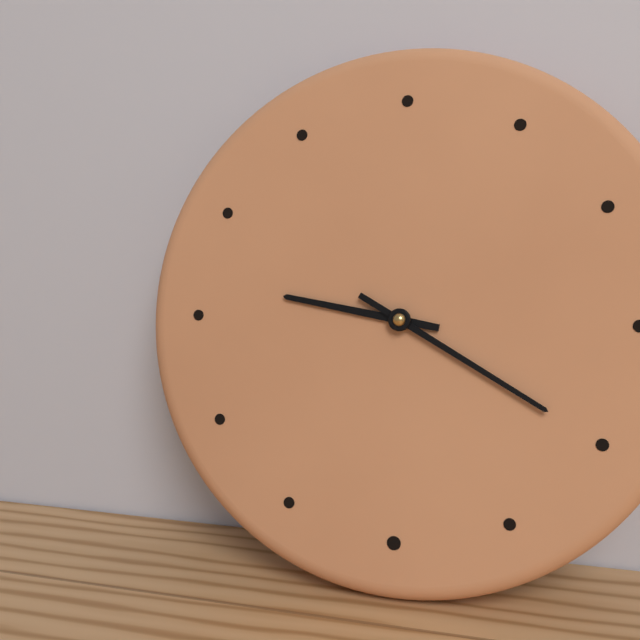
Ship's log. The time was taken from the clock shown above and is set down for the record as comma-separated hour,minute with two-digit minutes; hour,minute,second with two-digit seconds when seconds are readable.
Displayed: 9,20
